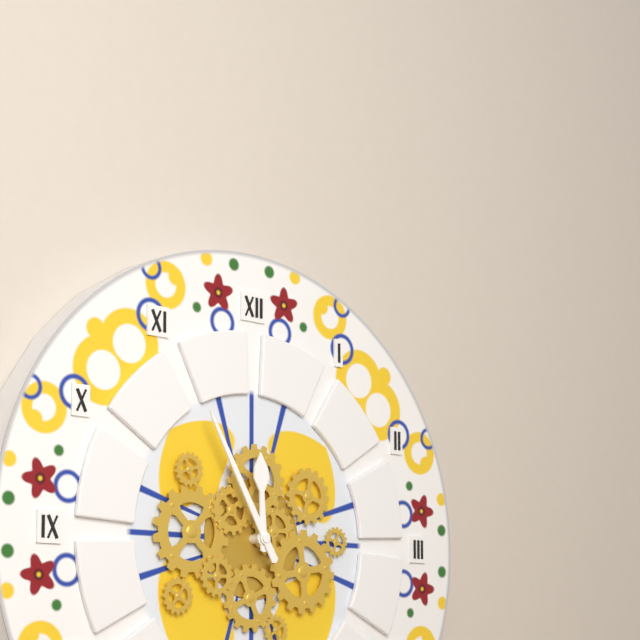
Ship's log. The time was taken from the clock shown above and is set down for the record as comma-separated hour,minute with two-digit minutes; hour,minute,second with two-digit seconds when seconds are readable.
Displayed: 11,55
